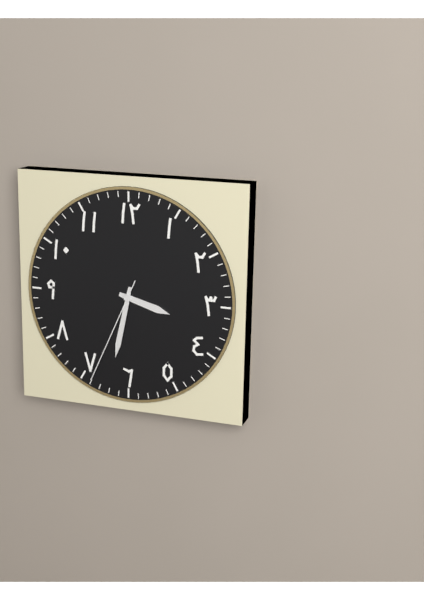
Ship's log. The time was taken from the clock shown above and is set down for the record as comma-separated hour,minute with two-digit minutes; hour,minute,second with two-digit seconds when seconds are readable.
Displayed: 3,32,34
